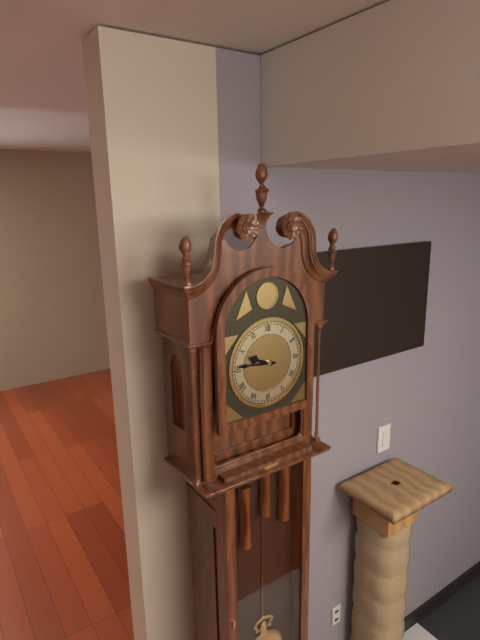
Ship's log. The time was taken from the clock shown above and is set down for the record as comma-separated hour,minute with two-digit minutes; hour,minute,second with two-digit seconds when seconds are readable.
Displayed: 9,46
